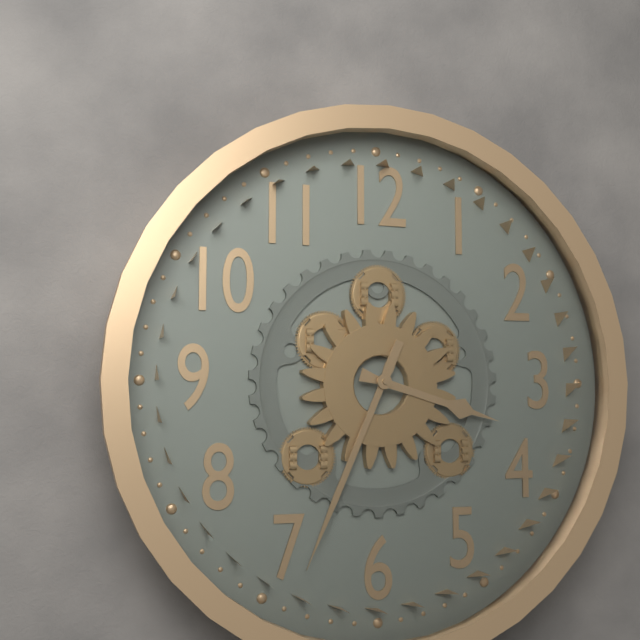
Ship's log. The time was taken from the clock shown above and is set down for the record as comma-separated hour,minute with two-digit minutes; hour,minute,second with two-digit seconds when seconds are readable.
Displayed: 3,34
